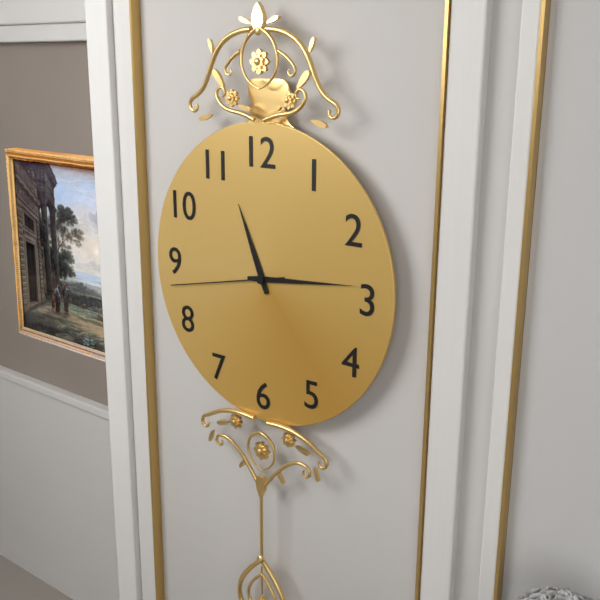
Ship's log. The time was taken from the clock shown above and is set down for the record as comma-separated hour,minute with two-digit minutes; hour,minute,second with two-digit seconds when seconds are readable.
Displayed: 11,14,43
